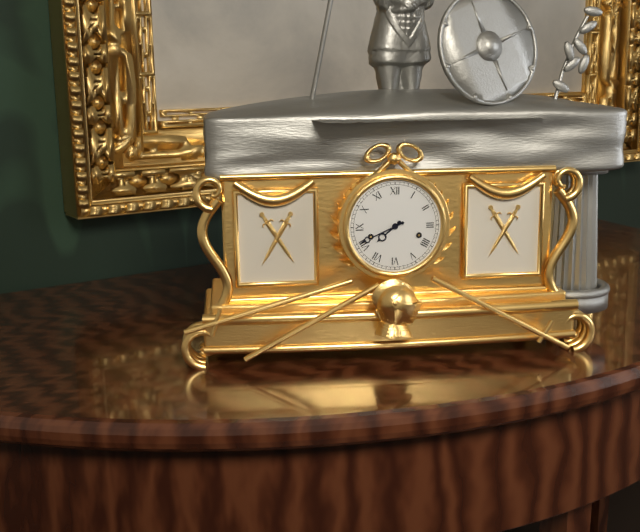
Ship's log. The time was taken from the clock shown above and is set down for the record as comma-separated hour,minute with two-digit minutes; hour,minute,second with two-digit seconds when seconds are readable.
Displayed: 7,41
